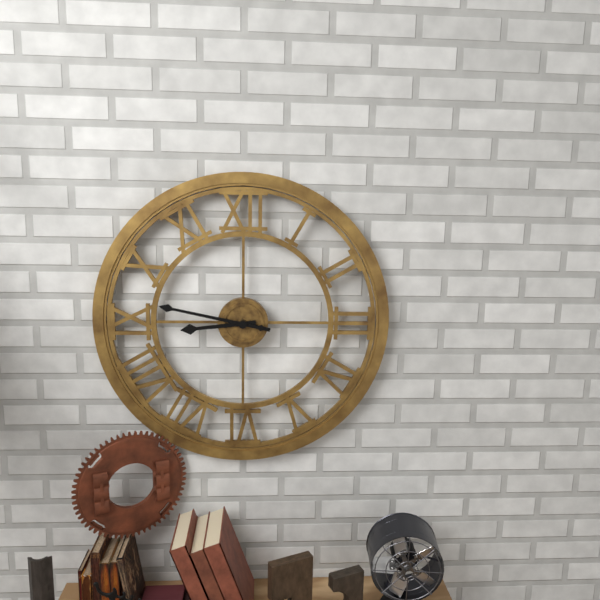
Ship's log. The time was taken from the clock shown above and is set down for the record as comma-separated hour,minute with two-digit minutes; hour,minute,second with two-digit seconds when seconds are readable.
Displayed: 8,47
